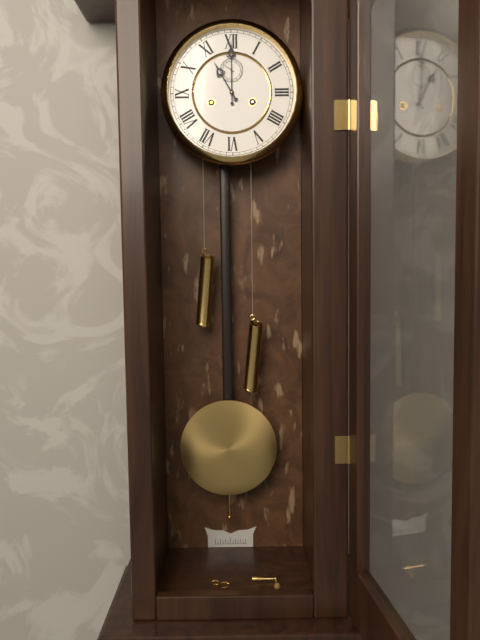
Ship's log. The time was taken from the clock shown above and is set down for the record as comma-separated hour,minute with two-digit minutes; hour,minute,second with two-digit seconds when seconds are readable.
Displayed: 11,00
